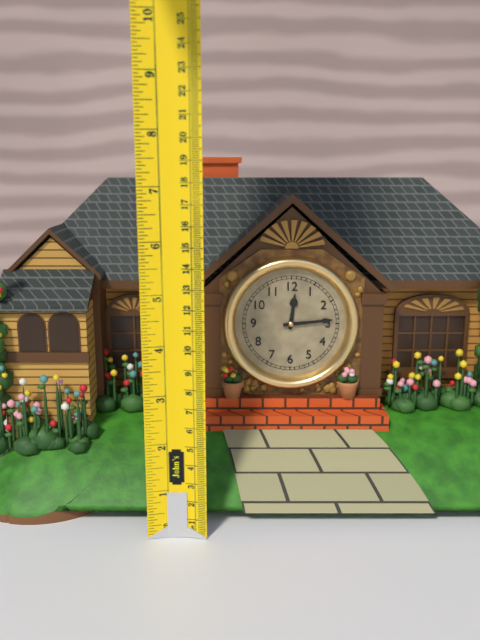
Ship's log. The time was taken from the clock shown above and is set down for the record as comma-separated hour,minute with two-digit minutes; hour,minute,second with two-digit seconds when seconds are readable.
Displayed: 12,14
